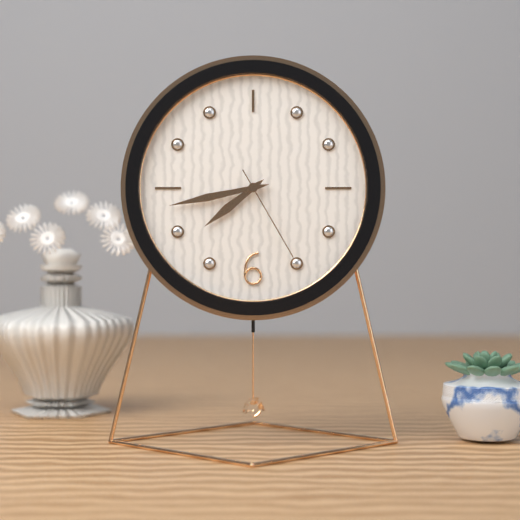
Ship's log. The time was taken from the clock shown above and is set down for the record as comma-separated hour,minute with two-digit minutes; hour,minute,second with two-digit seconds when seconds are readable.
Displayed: 7,43,25
